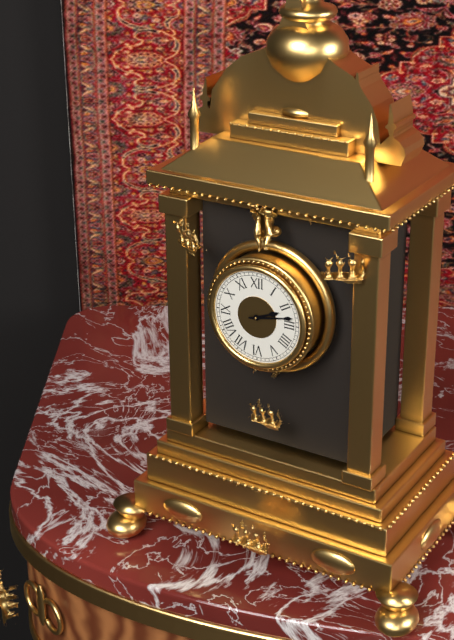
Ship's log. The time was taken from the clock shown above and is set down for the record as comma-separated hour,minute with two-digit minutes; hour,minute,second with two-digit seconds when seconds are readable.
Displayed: 2,13
